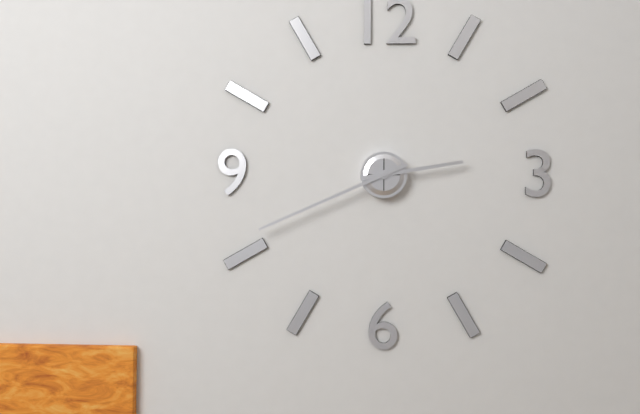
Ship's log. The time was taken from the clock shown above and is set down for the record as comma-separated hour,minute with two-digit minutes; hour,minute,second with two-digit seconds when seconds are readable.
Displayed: 2,41
